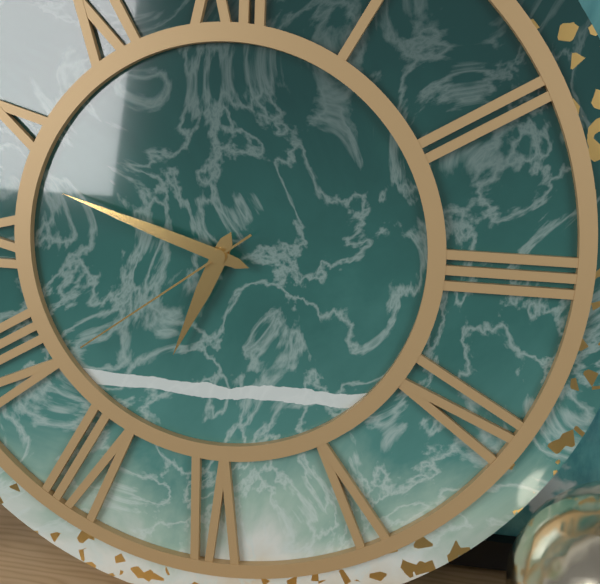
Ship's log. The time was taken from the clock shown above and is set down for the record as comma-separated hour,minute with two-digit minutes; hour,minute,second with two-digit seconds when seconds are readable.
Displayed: 6,48,39
